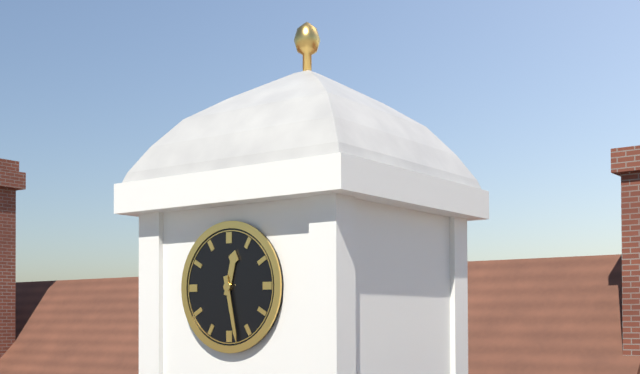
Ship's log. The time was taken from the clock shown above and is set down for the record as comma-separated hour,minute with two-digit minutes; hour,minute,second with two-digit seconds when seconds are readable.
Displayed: 12,28
